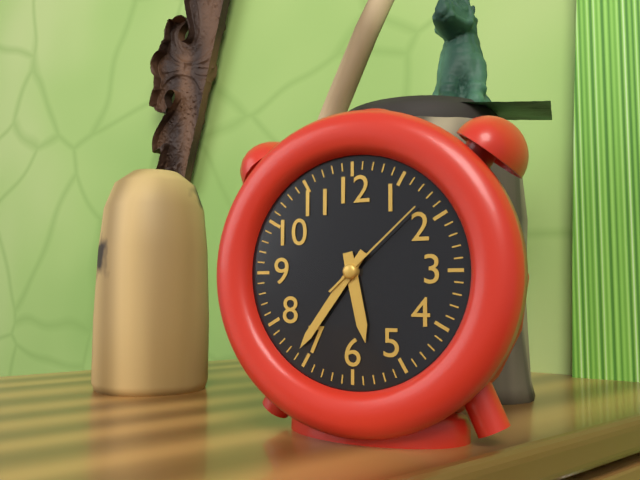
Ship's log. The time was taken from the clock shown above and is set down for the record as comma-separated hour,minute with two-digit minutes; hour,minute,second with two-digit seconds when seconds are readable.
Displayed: 5,36,08
